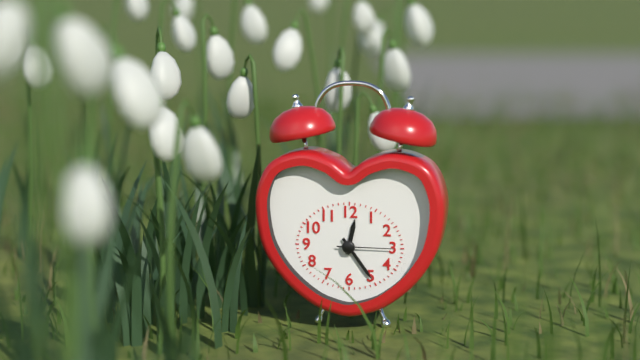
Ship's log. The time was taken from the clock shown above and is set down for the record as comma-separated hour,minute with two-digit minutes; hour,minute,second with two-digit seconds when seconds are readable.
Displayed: 12,24,15
